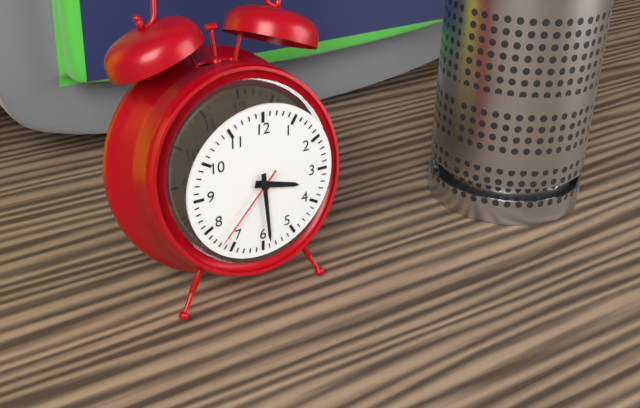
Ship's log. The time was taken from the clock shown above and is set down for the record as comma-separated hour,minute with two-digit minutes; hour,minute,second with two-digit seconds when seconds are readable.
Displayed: 3,29,37
